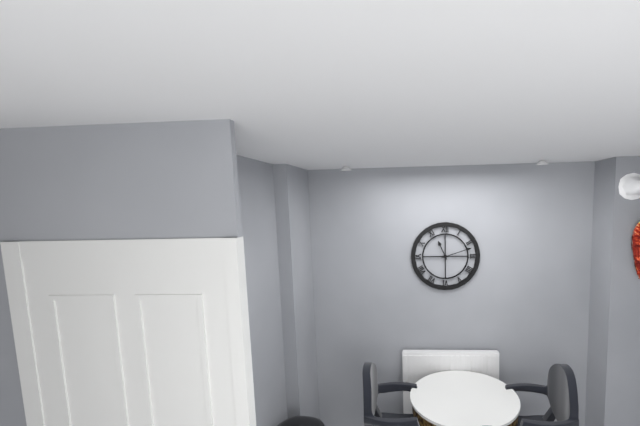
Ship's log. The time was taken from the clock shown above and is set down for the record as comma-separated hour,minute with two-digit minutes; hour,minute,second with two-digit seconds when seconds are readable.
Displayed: 11,12
